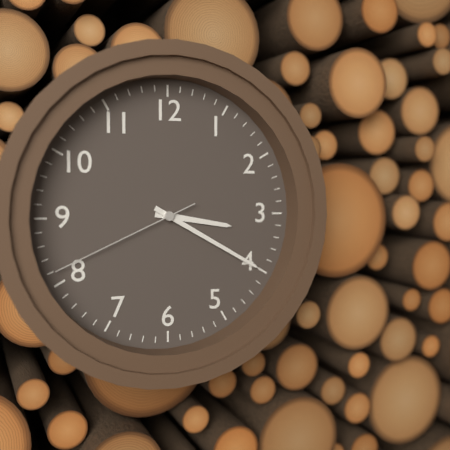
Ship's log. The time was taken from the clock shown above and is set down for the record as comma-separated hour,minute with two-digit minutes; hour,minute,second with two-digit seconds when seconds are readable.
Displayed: 3,20,41
